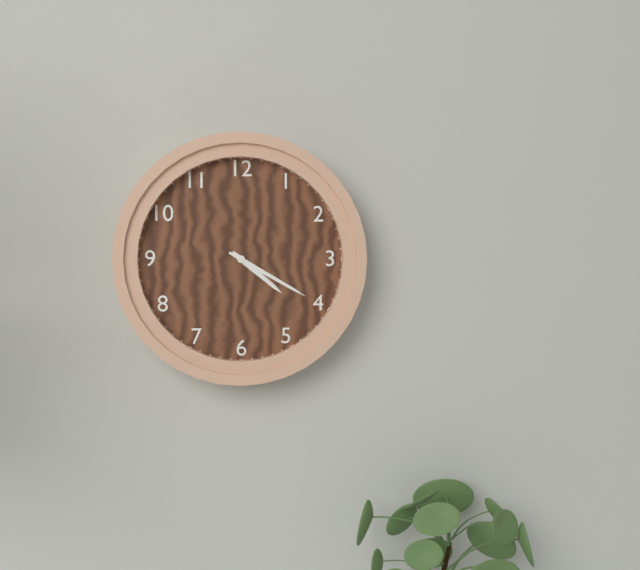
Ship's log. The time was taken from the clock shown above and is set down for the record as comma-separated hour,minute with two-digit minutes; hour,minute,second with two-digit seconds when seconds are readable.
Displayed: 4,20
